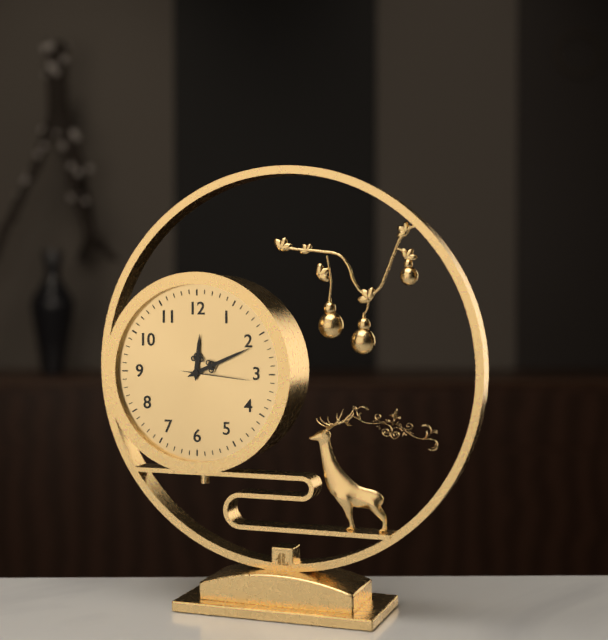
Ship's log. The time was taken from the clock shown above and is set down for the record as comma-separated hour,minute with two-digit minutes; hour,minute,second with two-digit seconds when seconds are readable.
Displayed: 12,11,16
